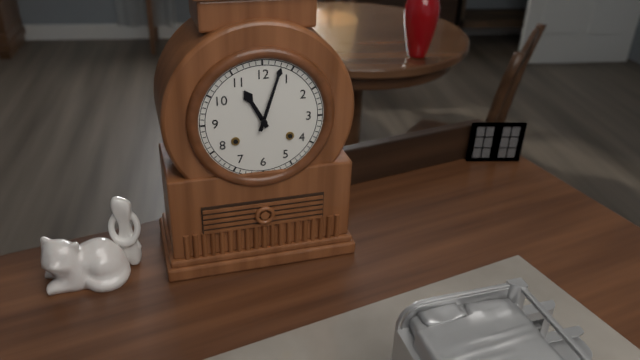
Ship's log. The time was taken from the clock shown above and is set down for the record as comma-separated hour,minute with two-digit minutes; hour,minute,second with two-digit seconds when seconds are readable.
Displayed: 11,03
